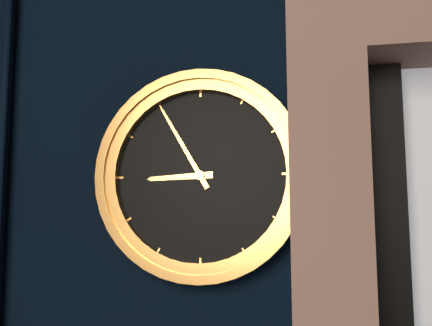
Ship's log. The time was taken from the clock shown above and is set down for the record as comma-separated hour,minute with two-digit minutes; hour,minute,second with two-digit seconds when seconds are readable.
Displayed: 8,55
